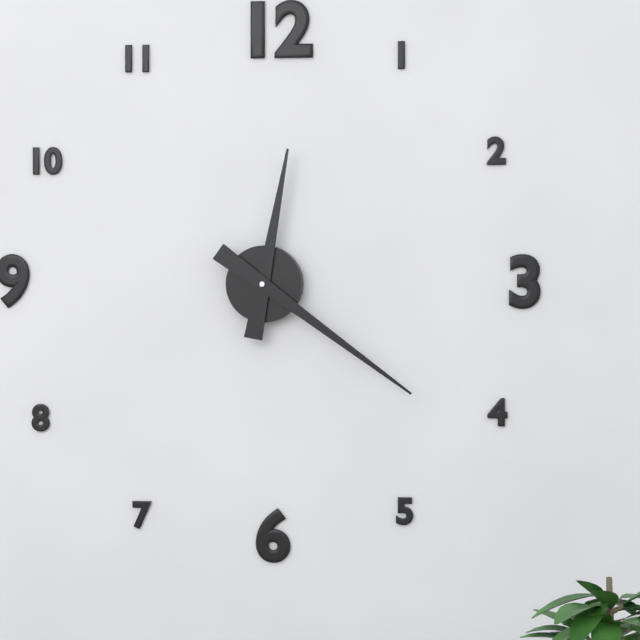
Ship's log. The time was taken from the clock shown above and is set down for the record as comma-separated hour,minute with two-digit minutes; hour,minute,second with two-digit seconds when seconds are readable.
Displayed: 12,21
